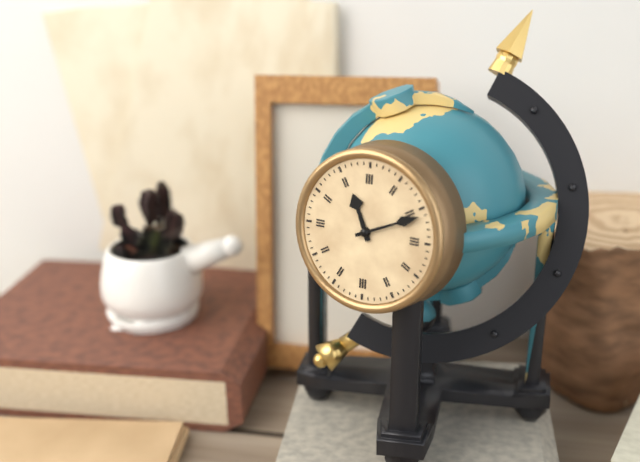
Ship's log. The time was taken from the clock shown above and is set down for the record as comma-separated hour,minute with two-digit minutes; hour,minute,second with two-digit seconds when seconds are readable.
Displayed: 11,11
